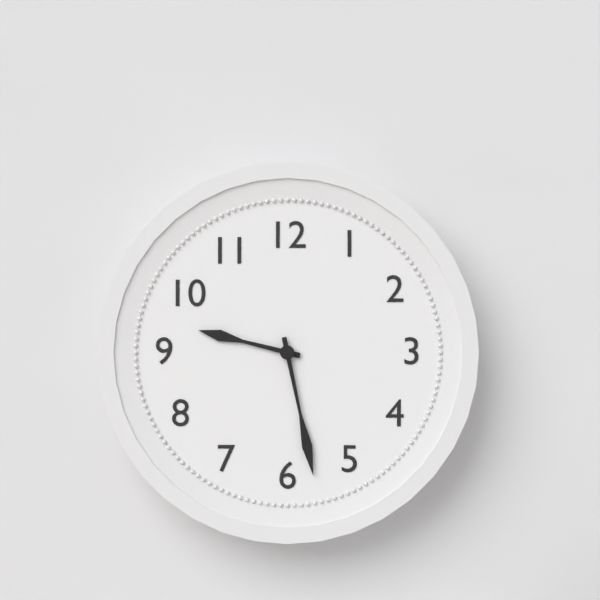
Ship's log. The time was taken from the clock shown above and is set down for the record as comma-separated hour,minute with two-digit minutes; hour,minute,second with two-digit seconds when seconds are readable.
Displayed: 9,28
